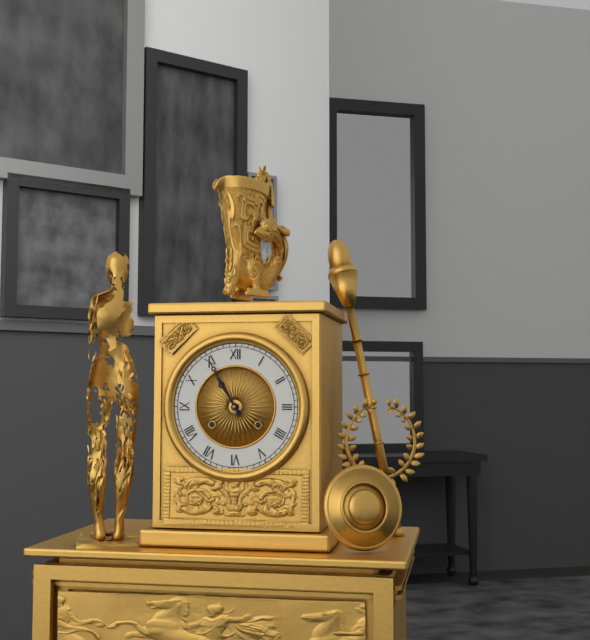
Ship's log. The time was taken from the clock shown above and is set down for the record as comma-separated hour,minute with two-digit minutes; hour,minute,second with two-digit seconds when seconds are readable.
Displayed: 10,55
